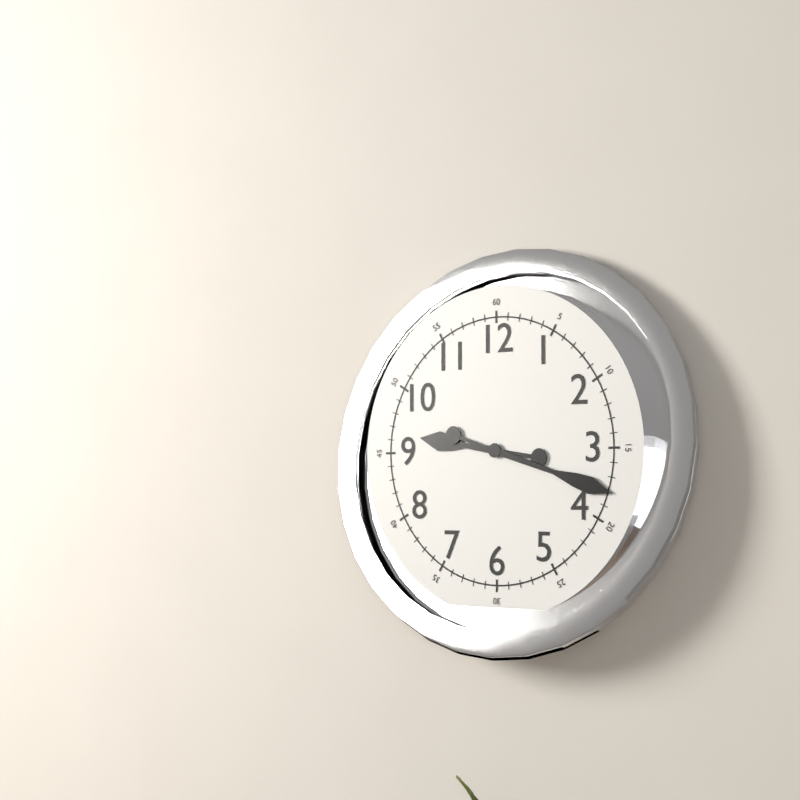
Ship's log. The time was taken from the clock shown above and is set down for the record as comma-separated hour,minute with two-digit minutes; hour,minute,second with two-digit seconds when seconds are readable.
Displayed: 9,18
